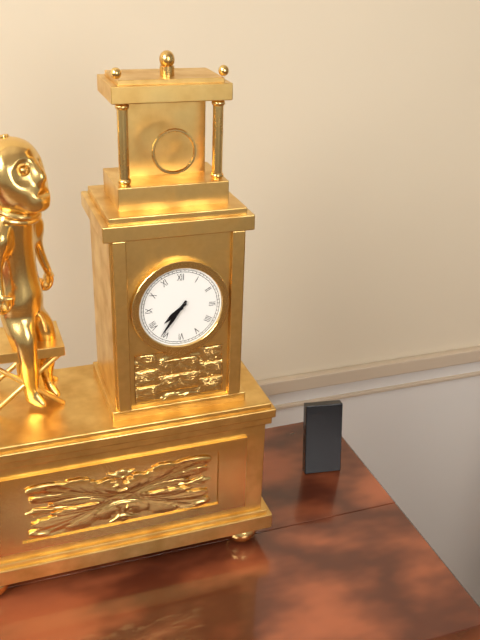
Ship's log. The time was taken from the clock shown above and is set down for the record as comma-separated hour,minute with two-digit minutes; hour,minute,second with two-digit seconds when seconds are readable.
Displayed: 7,36
